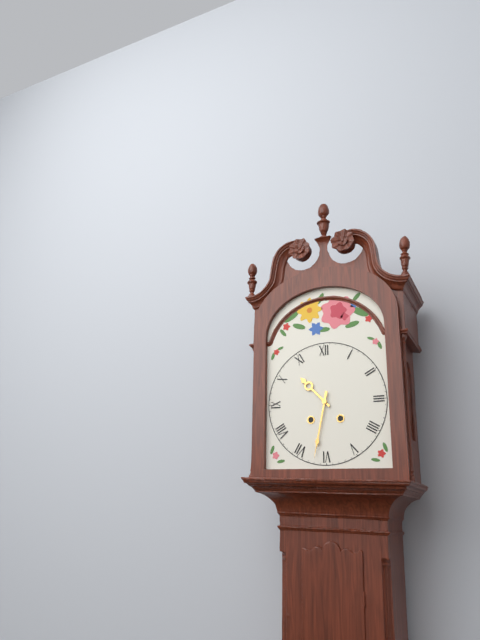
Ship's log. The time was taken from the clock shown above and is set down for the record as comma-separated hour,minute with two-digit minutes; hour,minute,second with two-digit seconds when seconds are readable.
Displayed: 10,32
